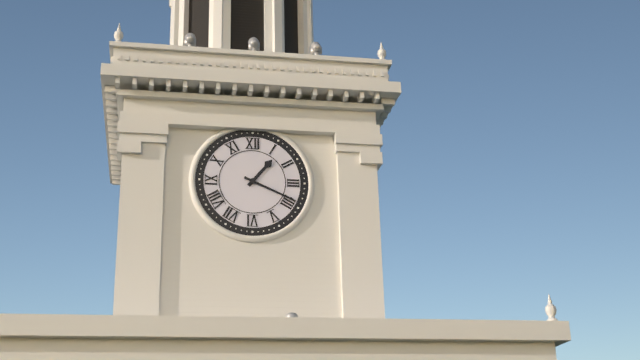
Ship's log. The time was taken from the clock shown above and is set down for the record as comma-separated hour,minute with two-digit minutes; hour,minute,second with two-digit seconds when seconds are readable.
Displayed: 1,19
